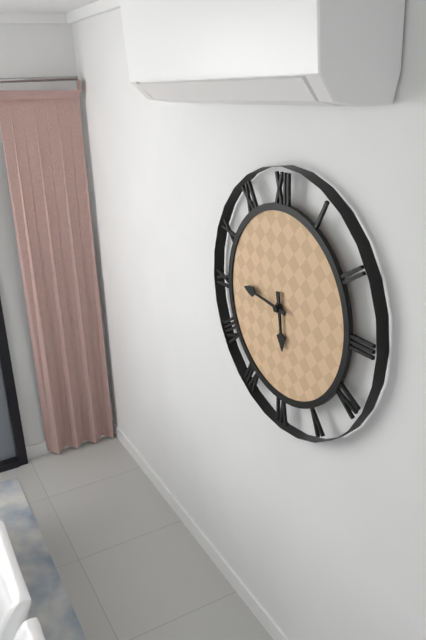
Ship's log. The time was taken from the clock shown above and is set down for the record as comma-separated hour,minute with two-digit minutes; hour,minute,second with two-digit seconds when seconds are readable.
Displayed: 5,46
